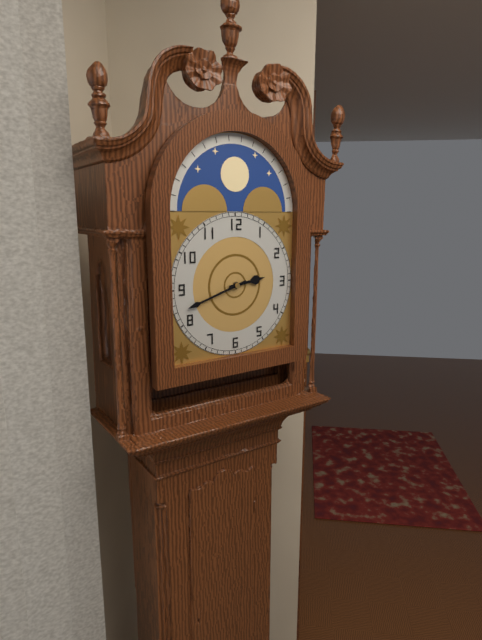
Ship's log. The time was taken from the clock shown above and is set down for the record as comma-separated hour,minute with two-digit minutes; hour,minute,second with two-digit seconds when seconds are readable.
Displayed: 2,42
